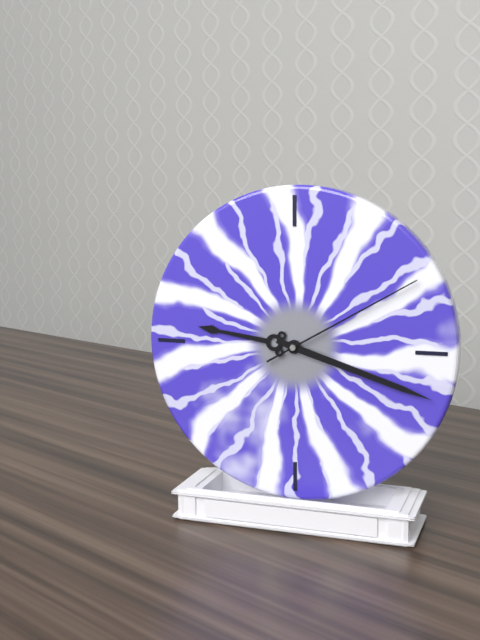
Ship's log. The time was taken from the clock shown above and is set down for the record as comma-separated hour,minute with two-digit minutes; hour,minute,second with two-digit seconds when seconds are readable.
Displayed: 9,18,10
